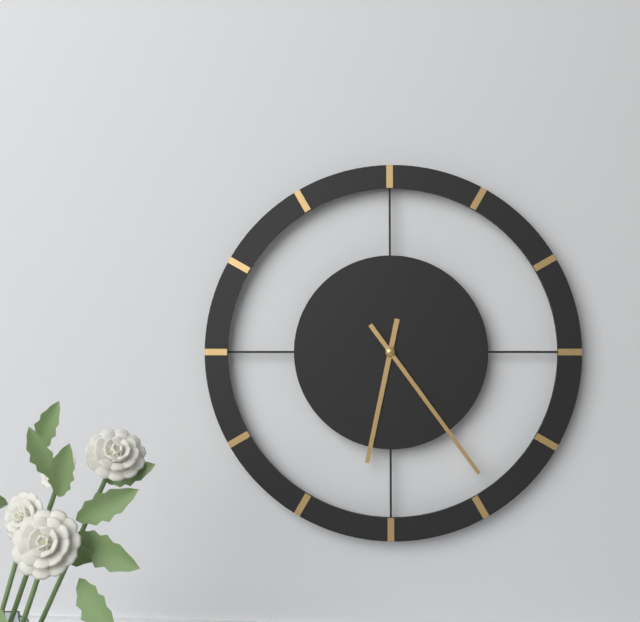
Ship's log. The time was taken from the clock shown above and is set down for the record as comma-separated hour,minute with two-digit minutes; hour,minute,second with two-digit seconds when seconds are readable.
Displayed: 6,24
